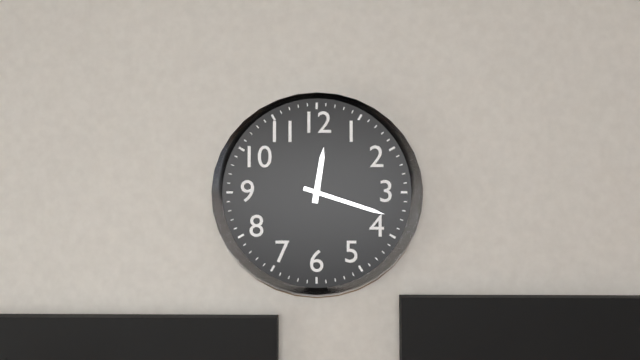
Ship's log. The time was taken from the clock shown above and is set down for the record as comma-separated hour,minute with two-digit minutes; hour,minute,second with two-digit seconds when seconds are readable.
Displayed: 12,18
